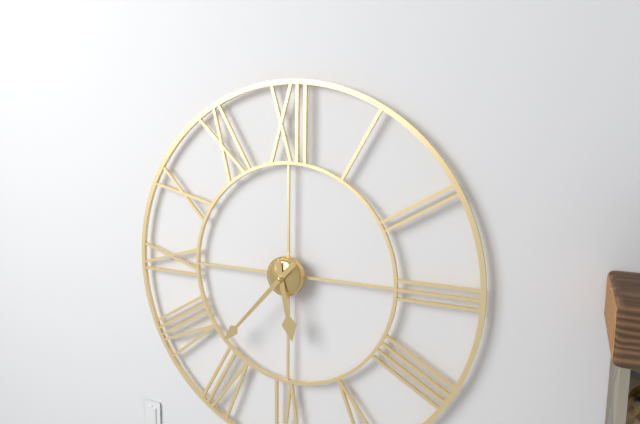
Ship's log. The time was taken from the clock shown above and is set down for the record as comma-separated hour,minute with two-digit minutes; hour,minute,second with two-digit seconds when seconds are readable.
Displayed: 5,37
